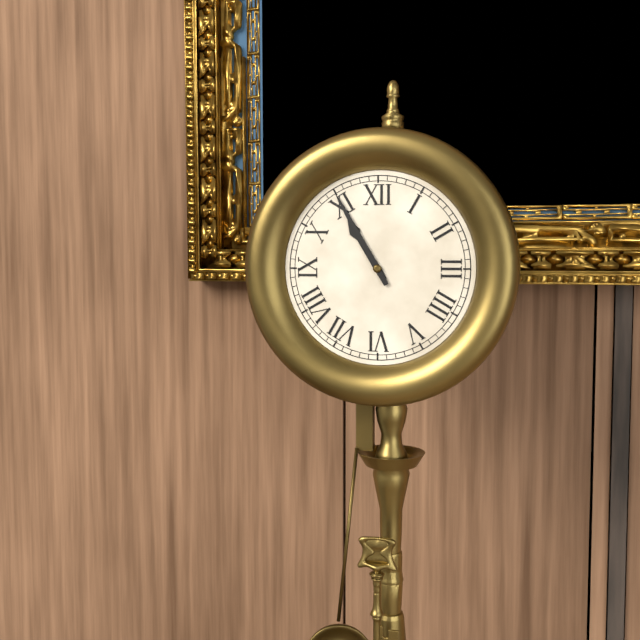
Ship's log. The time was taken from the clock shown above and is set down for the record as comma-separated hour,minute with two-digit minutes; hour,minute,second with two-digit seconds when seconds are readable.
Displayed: 10,55
